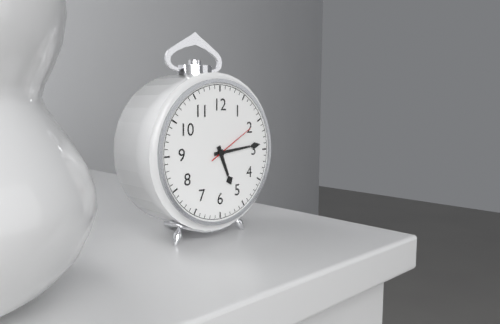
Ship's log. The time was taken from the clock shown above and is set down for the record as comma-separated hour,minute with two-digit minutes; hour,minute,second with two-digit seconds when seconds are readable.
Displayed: 5,14
